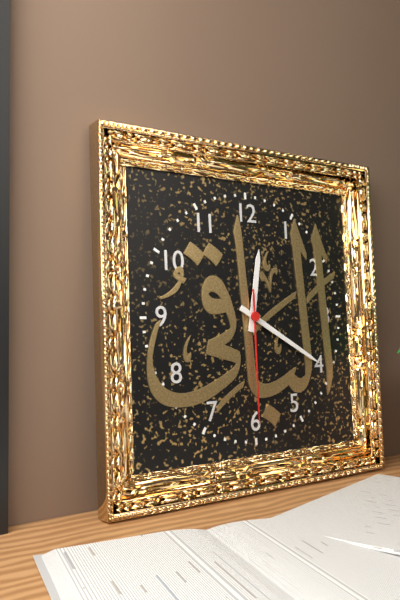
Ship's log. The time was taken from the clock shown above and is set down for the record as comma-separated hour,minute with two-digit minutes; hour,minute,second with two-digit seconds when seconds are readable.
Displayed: 12,20,30
